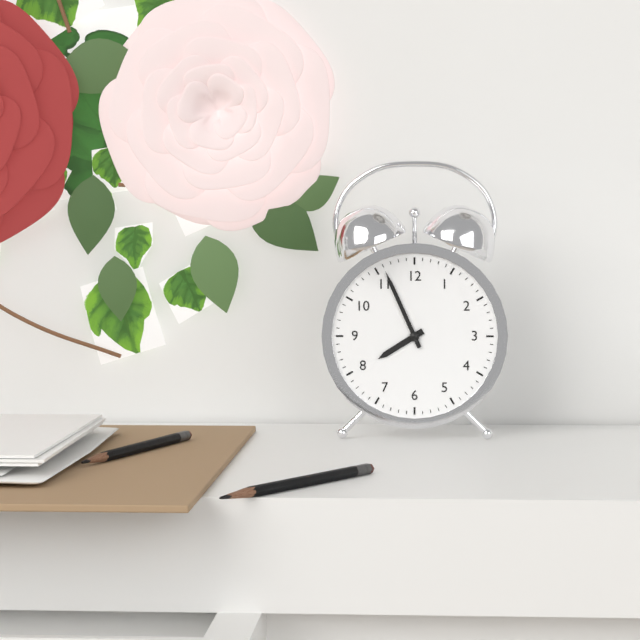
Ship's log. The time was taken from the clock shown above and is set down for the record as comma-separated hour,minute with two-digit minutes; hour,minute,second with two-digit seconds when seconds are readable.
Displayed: 7,56
